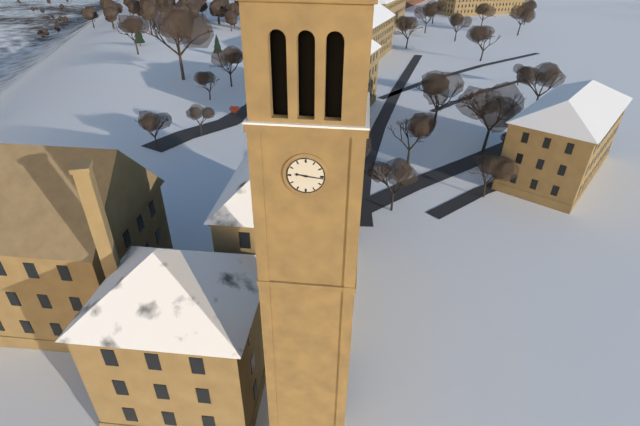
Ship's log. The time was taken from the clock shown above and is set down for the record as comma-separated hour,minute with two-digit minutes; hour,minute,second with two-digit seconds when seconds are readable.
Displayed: 9,16
